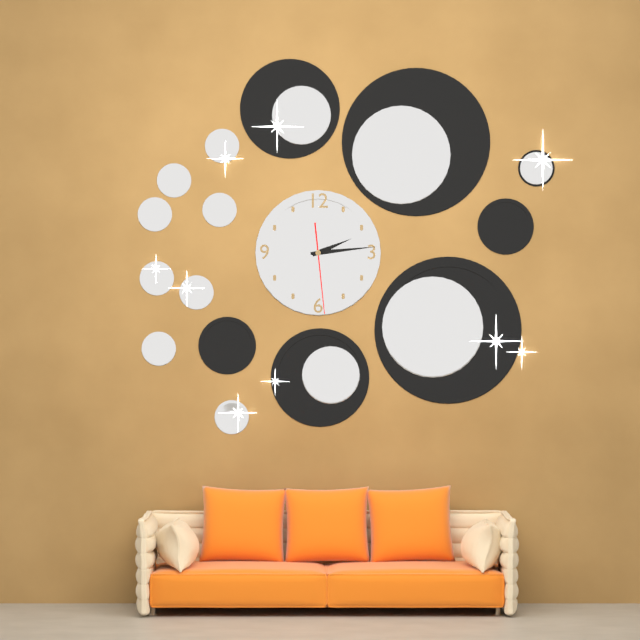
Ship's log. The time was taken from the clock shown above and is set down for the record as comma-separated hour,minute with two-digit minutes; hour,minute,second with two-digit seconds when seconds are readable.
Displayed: 2,14,29
